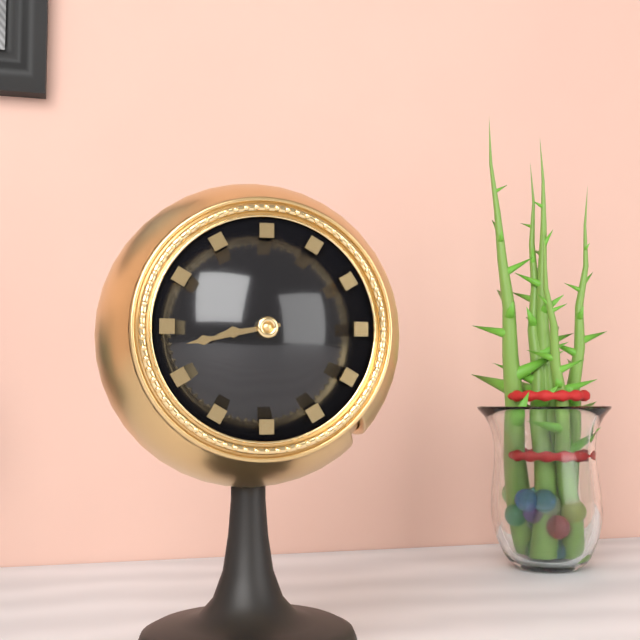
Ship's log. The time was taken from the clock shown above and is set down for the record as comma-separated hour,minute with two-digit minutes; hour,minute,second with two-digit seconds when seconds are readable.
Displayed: 8,43
